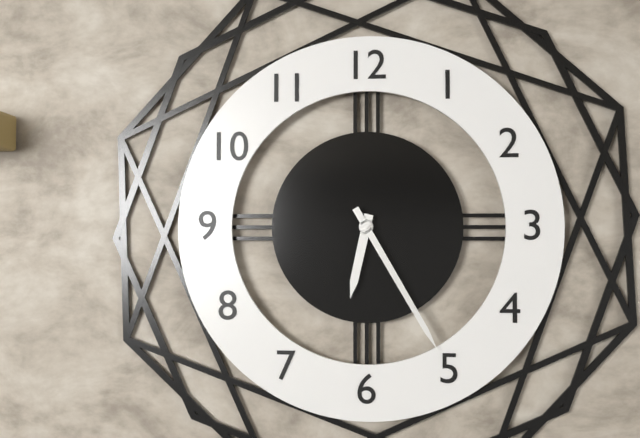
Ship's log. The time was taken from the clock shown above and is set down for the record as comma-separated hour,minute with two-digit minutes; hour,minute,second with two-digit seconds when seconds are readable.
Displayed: 6,25
